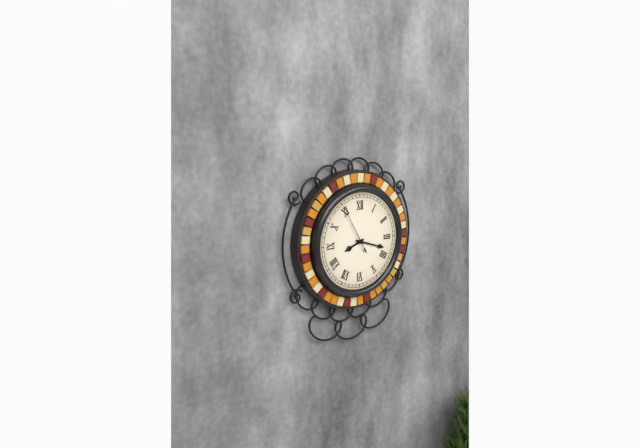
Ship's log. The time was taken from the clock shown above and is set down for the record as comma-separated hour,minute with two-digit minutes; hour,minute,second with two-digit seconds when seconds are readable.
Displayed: 8,18
